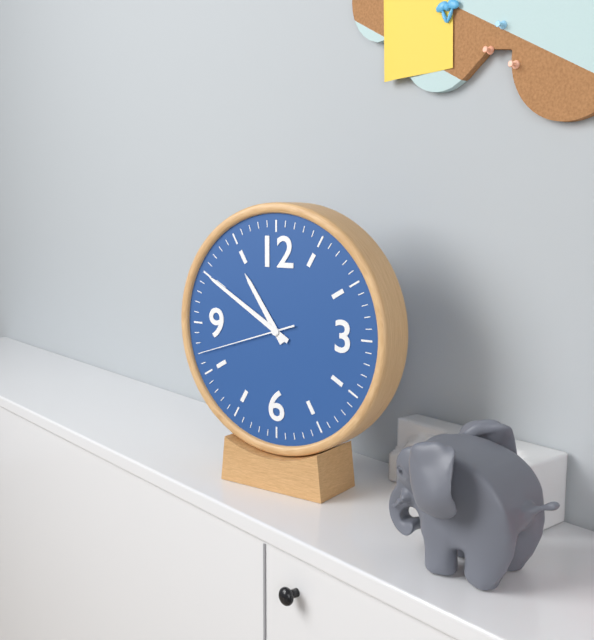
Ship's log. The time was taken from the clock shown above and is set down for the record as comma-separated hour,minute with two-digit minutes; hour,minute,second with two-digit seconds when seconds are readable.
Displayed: 10,50,42
